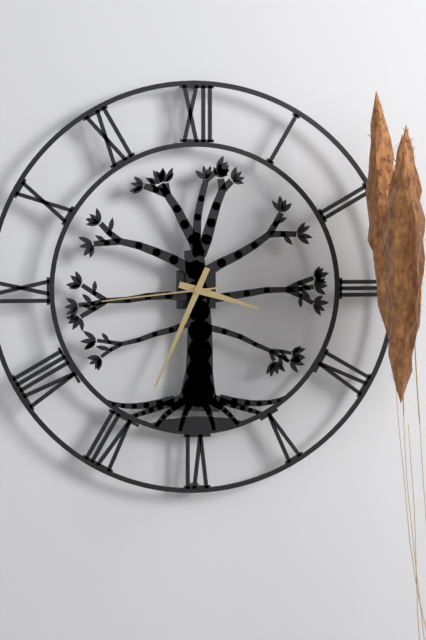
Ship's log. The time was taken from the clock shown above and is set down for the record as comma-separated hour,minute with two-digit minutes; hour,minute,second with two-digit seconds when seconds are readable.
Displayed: 3,34,44
